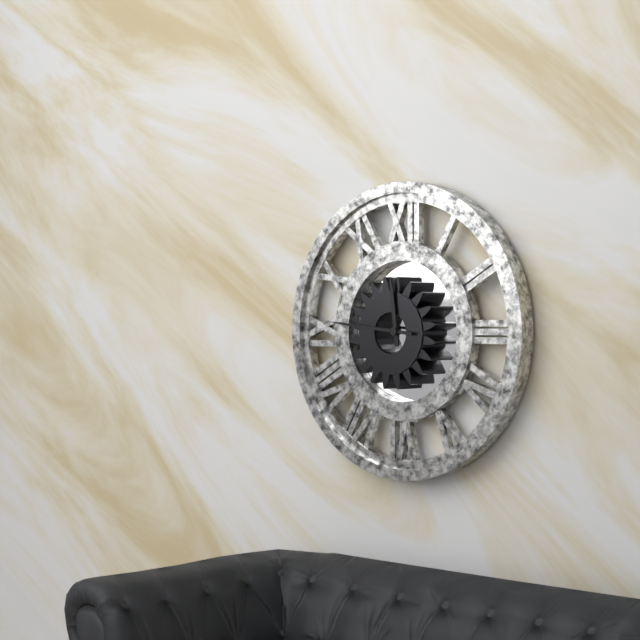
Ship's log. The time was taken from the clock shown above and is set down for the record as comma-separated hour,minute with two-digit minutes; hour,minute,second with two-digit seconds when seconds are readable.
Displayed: 11,46
